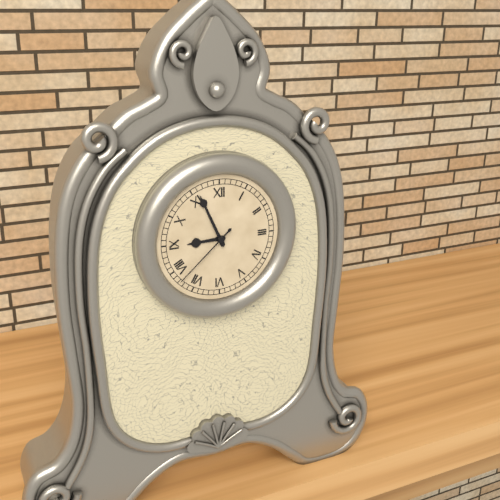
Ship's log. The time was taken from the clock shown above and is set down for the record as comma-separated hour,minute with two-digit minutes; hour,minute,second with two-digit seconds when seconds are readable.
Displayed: 8,56,38
